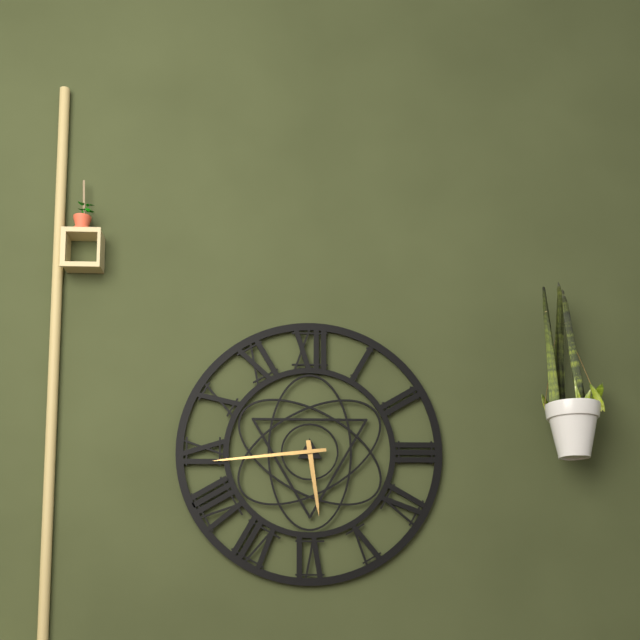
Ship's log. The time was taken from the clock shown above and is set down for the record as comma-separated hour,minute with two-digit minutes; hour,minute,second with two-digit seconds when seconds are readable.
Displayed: 5,44
